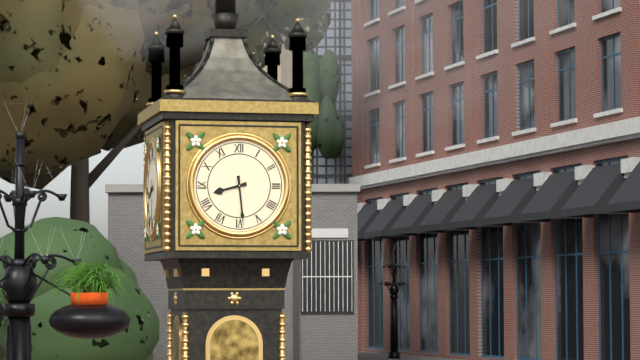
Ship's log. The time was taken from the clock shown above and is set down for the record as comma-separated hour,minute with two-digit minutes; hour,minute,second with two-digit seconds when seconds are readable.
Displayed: 8,29
